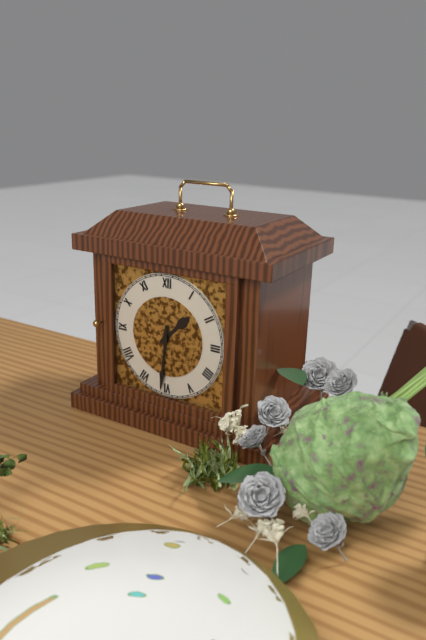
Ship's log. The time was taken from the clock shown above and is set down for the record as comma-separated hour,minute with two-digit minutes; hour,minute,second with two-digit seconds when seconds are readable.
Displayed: 1,31
